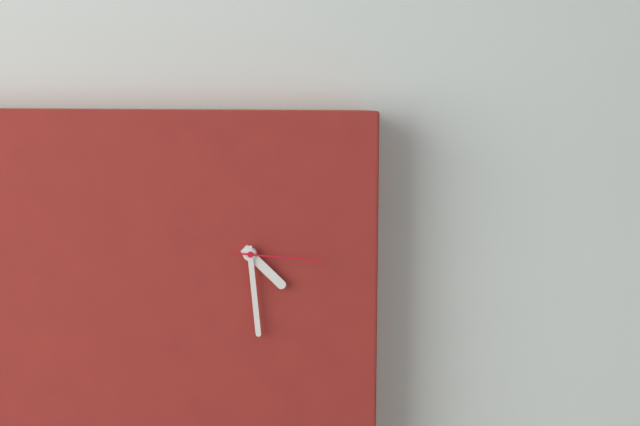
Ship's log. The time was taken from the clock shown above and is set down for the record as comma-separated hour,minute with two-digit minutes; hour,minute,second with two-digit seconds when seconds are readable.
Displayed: 4,29,16
